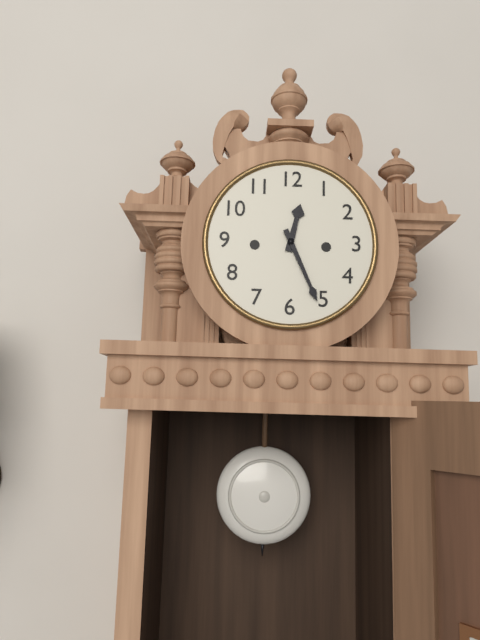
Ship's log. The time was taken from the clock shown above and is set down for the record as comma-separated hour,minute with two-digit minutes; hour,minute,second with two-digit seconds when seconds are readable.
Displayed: 12,26
